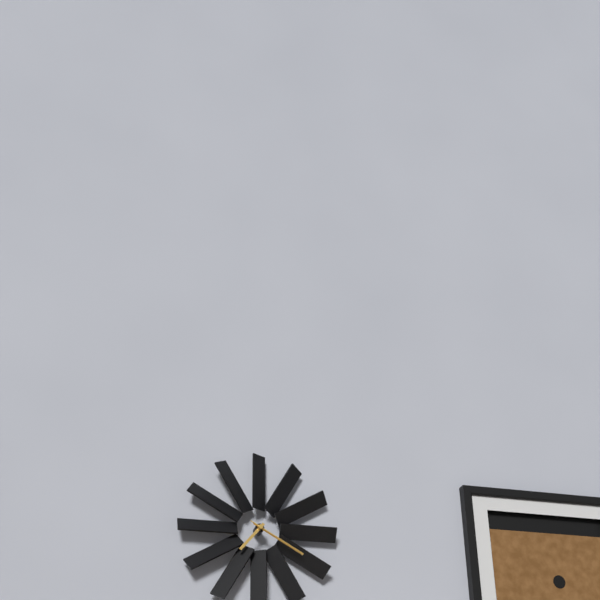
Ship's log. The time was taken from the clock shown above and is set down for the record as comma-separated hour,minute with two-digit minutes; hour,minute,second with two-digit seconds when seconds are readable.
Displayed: 7,20,20
